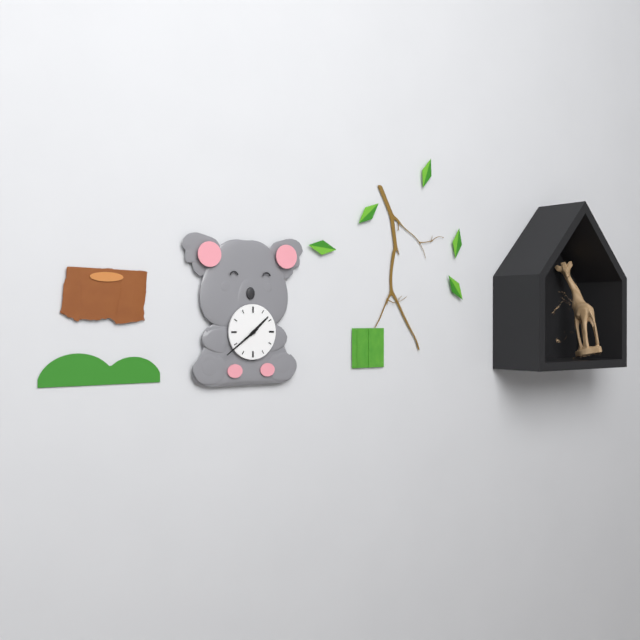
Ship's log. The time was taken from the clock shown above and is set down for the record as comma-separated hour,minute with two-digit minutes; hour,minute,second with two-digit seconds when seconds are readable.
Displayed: 1,39
